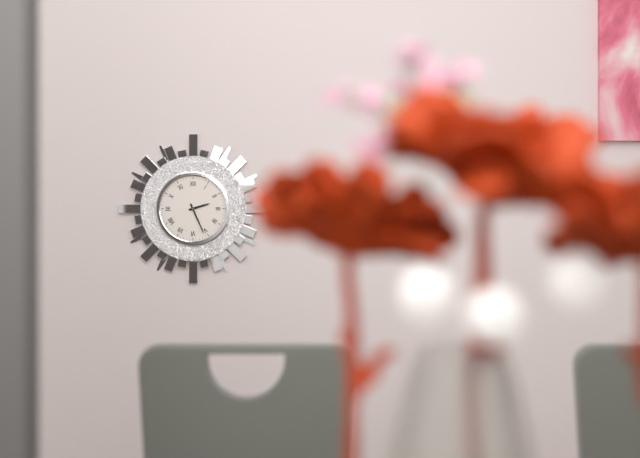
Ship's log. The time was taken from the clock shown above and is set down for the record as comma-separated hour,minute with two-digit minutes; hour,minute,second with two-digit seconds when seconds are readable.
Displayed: 2,26
